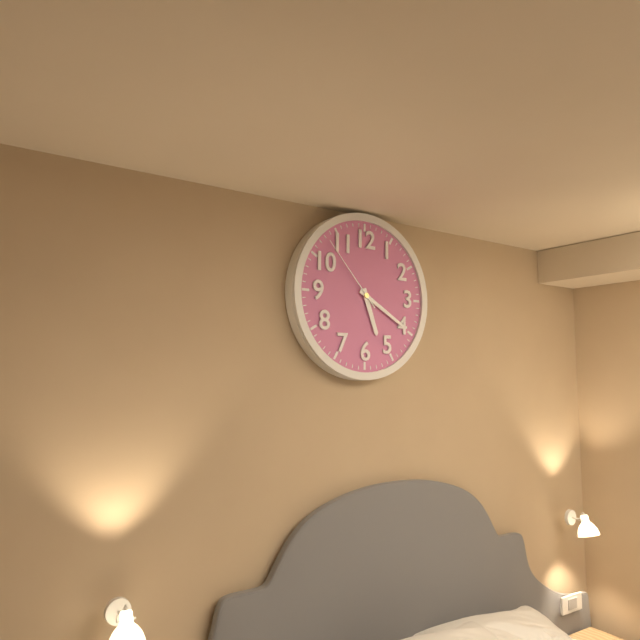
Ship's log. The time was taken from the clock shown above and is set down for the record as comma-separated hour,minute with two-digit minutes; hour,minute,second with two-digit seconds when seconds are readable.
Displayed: 5,20,53
